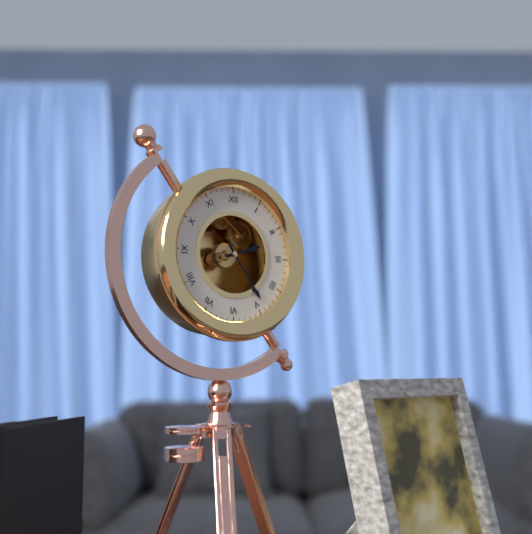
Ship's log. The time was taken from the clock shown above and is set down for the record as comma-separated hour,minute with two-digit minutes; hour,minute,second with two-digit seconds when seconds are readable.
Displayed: 2,24
